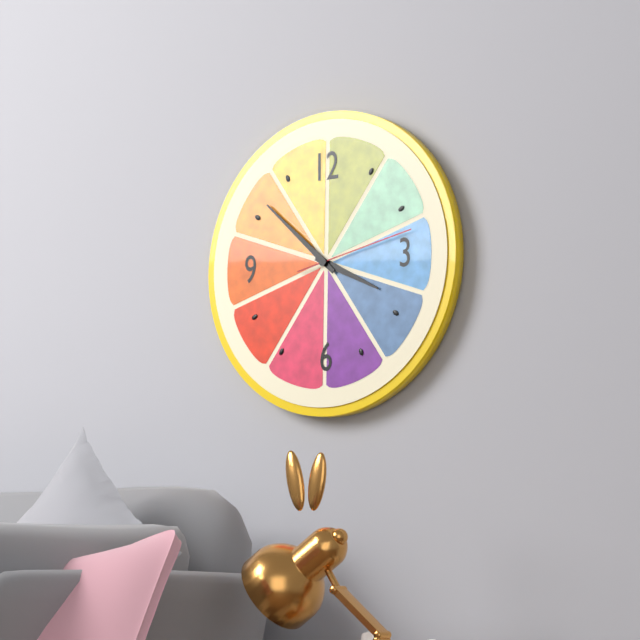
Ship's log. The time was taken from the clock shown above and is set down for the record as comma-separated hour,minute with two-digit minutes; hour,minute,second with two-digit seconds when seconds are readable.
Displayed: 3,52,13
